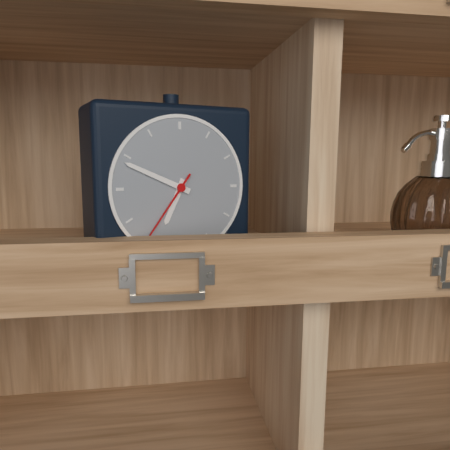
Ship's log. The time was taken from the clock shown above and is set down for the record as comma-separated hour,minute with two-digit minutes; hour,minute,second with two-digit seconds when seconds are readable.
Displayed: 6,49,36
